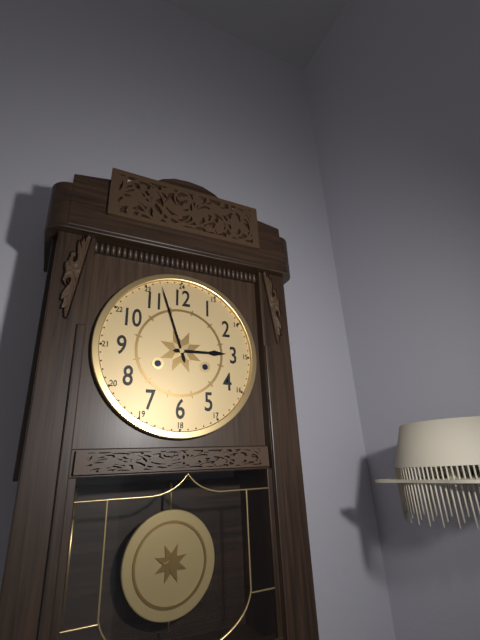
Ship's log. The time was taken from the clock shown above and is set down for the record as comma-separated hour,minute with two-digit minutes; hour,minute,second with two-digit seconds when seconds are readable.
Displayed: 2,57
